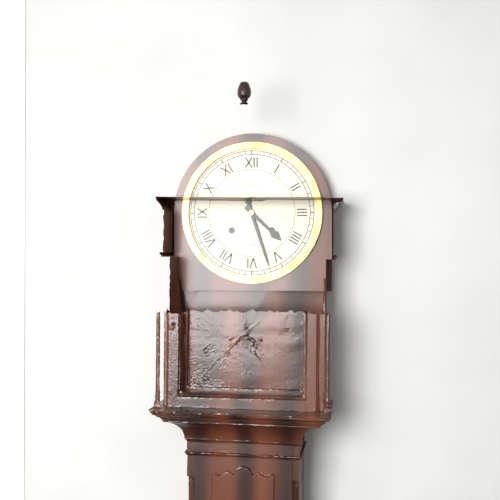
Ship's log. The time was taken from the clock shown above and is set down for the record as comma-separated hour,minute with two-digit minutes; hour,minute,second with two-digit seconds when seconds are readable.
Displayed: 4,27
